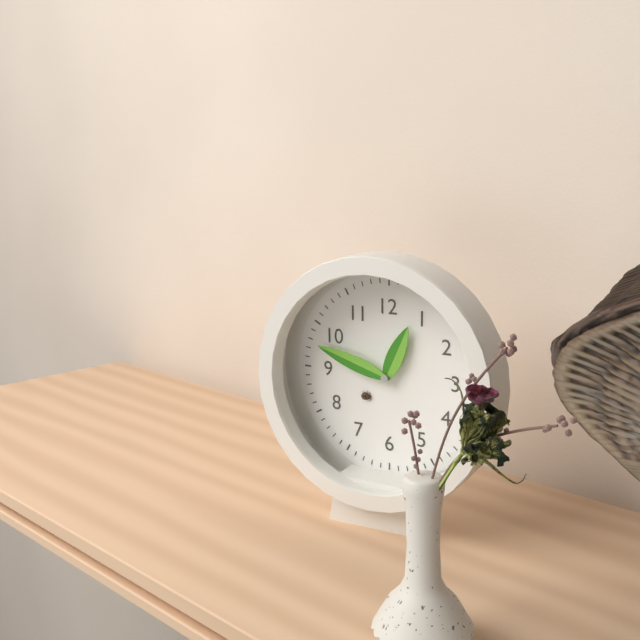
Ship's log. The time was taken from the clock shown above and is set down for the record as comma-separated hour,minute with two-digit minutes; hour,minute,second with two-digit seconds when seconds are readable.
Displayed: 12,48
